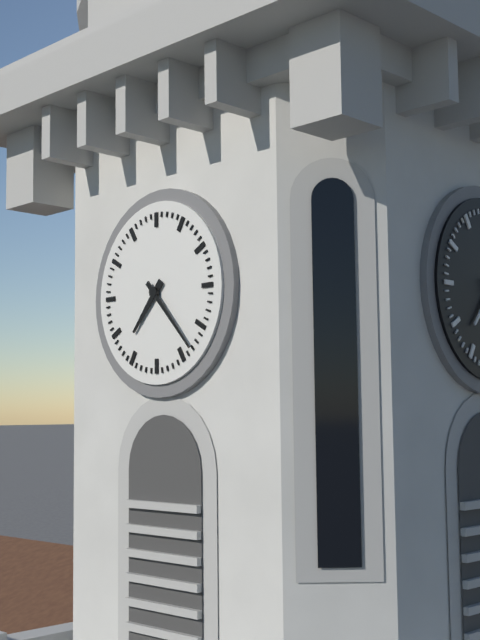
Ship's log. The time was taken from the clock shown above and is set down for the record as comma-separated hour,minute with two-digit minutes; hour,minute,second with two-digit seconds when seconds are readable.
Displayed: 7,23
